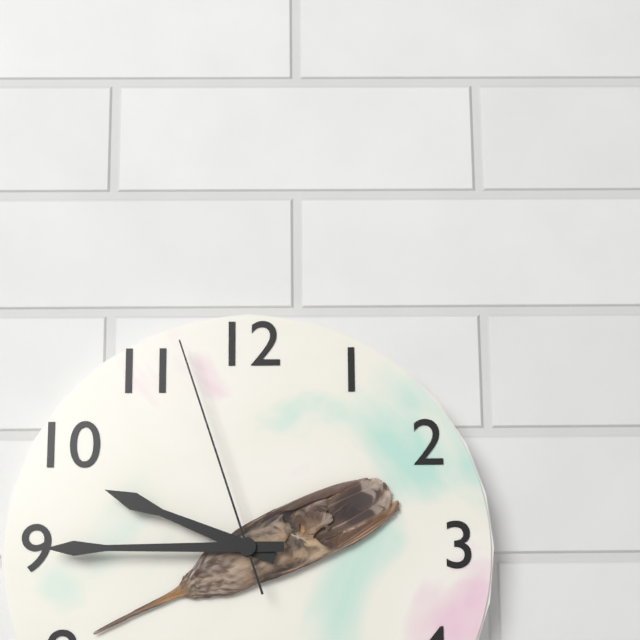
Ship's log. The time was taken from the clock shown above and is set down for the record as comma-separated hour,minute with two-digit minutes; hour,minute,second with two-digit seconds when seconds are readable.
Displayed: 9,45,57
